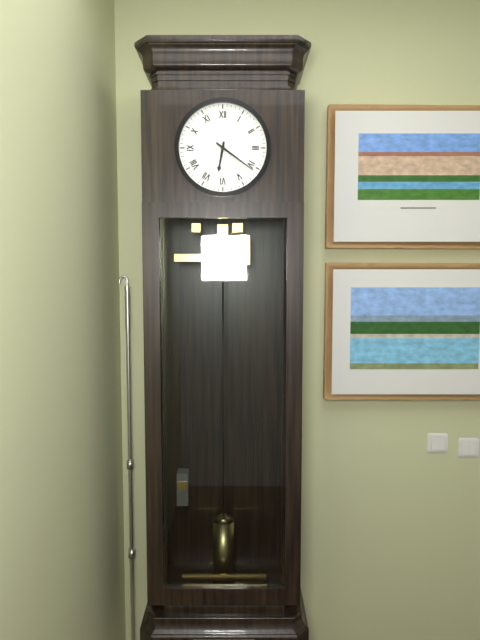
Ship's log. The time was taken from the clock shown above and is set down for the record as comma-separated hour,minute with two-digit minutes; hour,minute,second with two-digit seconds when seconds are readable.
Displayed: 6,21
